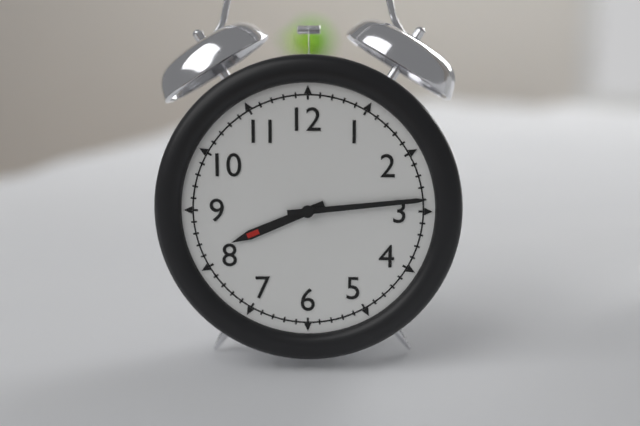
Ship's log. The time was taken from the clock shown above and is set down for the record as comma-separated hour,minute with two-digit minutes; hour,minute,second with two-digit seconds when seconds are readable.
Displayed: 8,14
